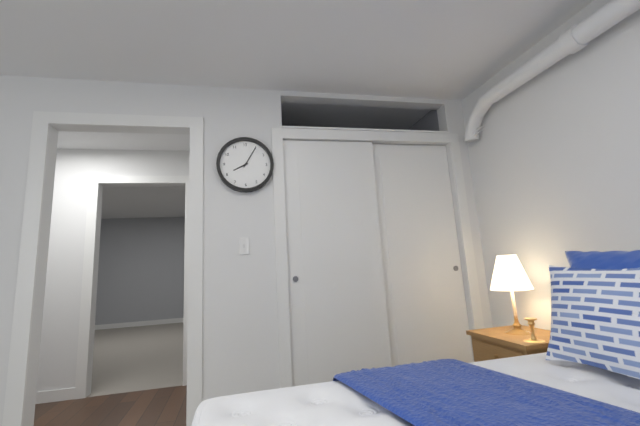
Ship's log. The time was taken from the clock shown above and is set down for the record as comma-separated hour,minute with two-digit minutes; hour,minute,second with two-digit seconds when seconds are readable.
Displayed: 8,05
